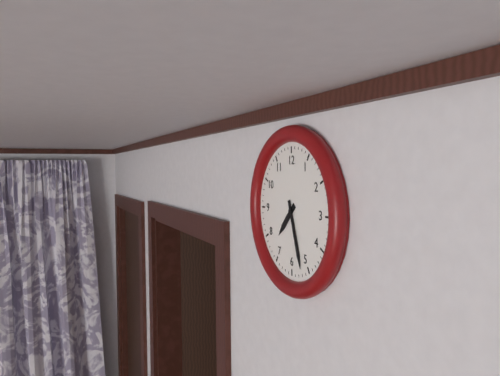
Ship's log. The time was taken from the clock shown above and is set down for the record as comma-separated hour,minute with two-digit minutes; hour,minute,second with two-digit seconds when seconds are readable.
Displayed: 7,27
